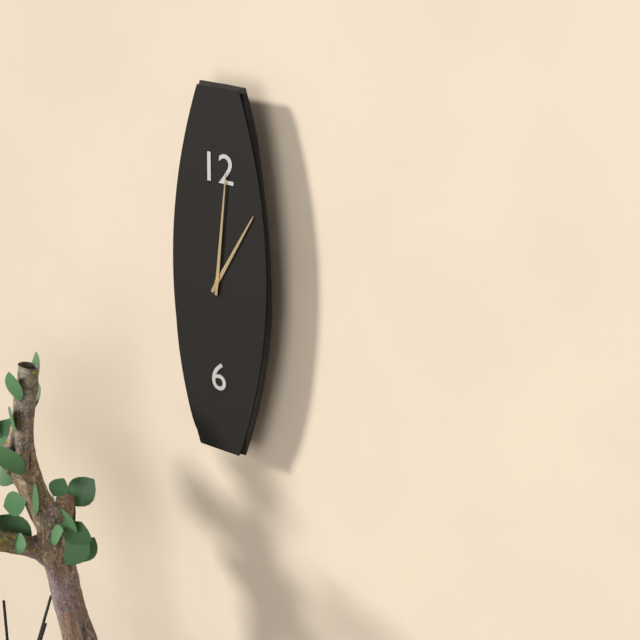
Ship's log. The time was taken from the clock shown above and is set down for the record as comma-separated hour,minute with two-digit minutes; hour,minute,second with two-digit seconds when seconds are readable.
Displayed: 1,01
